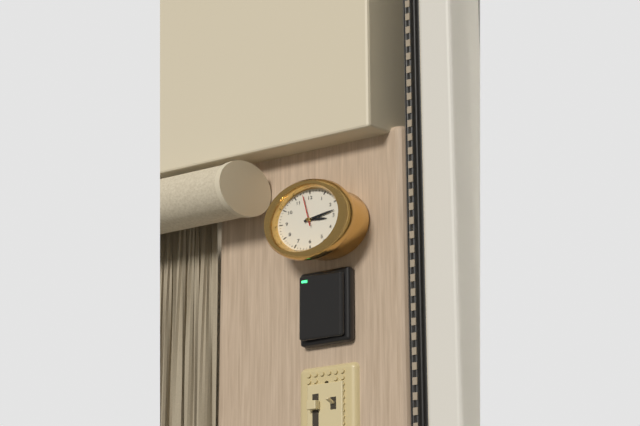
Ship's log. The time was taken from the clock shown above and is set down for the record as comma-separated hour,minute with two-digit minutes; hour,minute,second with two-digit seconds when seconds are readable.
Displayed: 3,13
